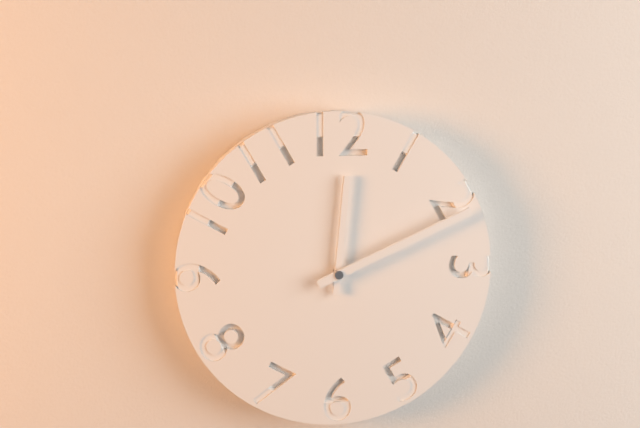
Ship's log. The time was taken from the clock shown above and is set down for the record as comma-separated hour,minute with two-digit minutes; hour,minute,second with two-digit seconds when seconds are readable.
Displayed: 12,11
